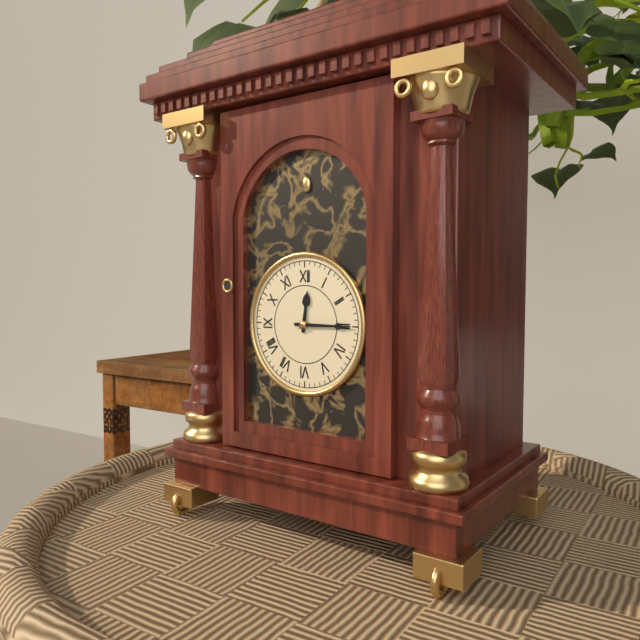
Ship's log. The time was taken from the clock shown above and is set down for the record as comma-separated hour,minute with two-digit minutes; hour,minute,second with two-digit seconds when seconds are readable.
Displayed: 12,15
